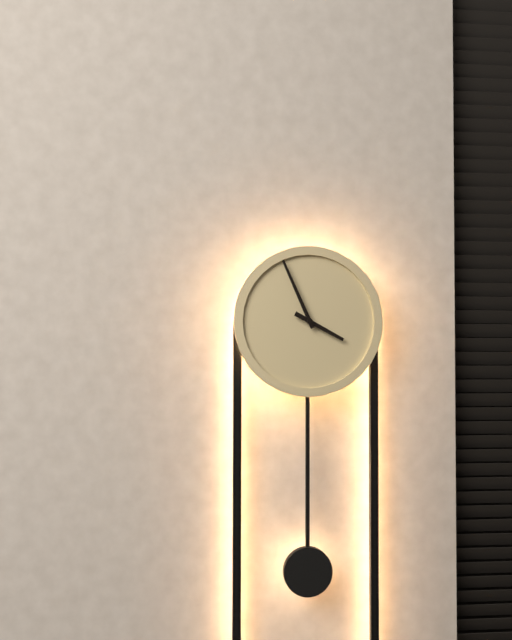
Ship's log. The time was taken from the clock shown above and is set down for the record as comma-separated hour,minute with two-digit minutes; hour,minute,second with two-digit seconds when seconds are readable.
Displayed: 3,56
